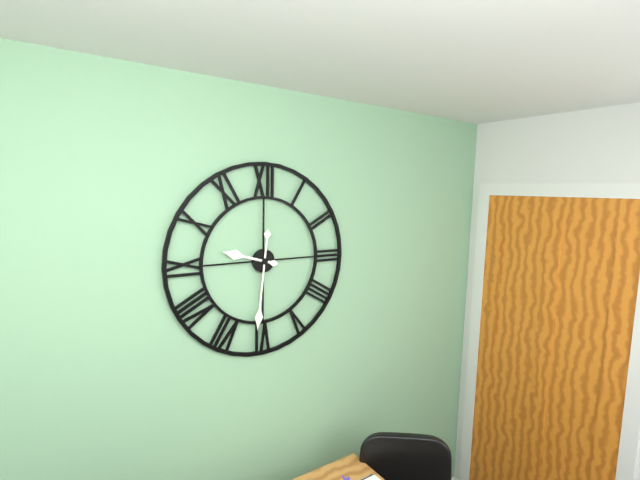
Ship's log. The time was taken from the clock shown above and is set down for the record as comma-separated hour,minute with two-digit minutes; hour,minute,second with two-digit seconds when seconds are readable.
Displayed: 9,31
